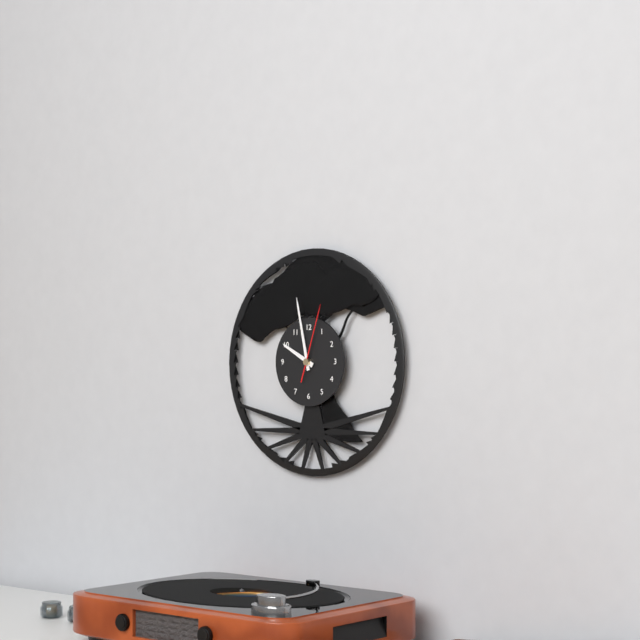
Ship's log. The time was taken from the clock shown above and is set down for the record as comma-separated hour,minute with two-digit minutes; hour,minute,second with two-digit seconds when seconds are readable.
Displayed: 9,58,03
